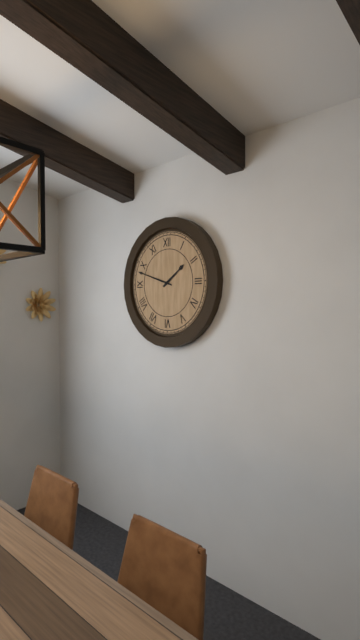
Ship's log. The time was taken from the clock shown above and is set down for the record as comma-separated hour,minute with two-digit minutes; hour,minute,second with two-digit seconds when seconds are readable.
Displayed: 1,48
